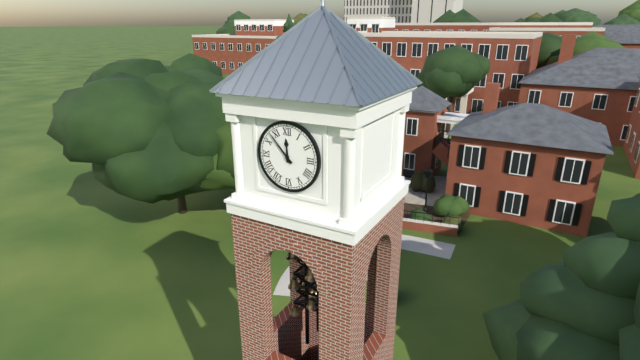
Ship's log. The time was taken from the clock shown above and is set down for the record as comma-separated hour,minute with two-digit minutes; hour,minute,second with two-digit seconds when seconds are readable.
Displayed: 11,53
